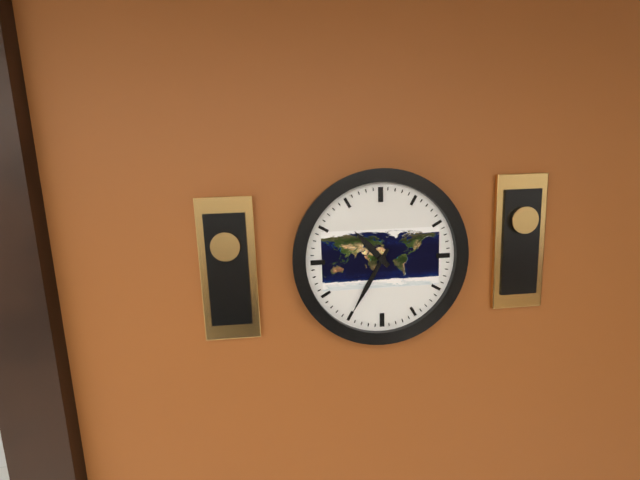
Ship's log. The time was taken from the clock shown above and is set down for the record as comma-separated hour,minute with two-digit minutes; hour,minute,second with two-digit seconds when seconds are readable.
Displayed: 10,35
